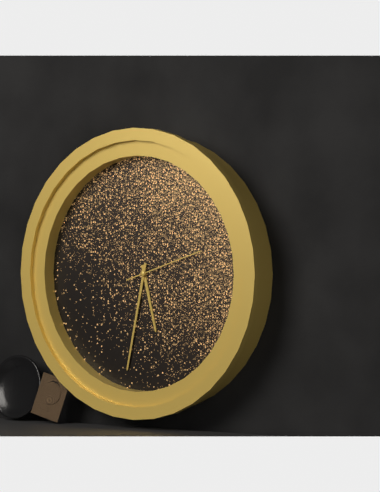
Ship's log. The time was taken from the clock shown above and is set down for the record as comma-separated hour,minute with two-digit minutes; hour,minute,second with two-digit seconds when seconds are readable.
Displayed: 5,32,12
